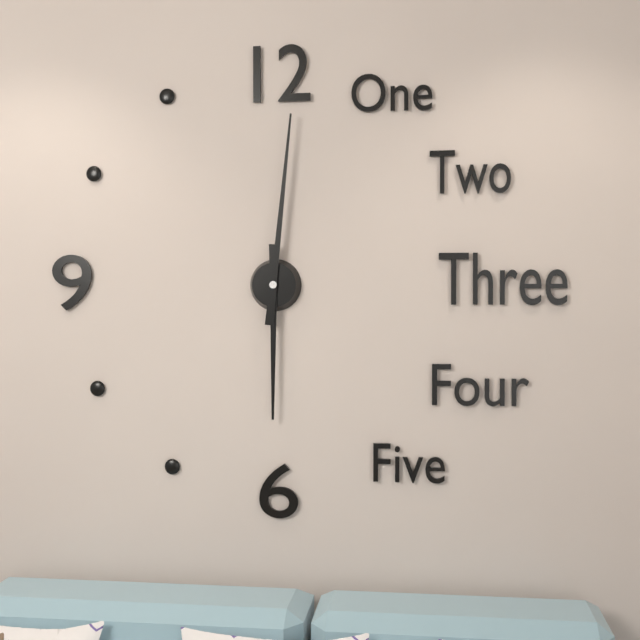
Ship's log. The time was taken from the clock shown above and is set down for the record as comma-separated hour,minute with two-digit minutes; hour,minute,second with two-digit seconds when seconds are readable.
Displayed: 6,01
